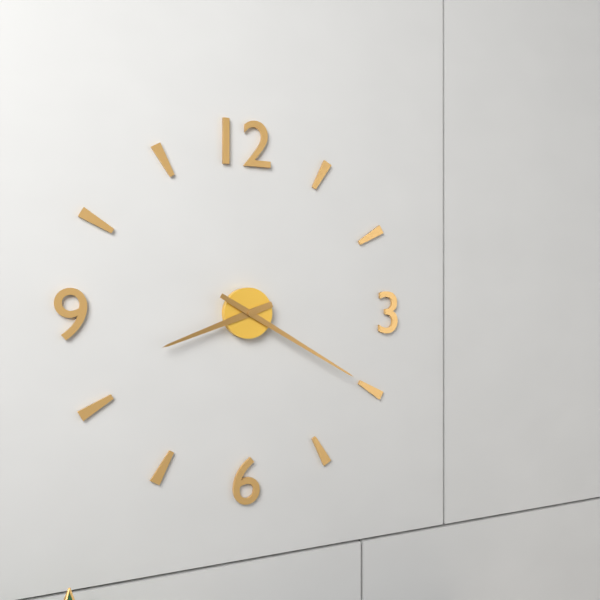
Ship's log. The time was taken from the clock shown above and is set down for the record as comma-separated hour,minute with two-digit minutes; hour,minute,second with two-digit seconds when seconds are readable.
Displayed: 8,20
